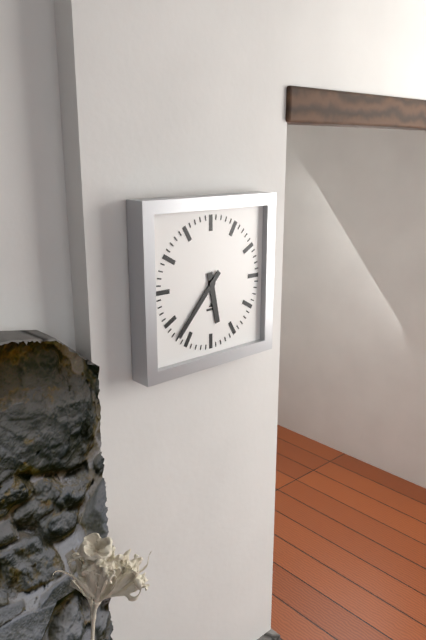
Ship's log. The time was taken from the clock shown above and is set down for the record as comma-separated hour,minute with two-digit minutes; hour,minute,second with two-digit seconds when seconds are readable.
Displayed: 5,37
